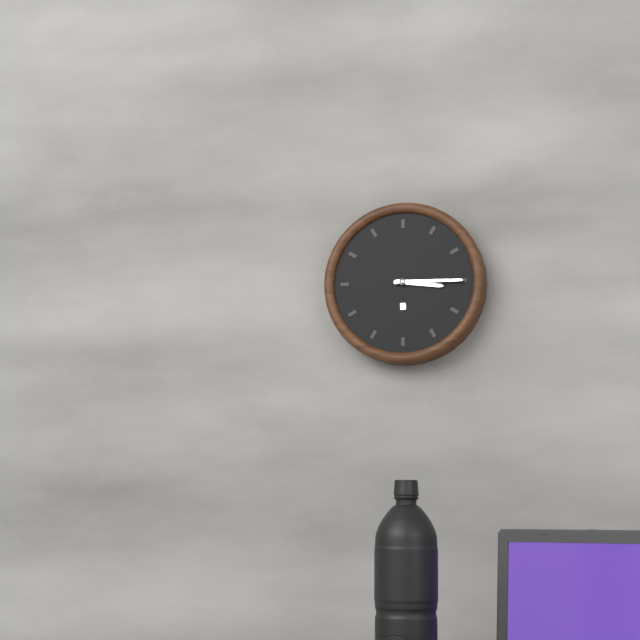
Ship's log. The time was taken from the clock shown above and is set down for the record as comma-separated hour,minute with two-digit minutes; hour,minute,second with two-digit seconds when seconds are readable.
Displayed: 3,15
